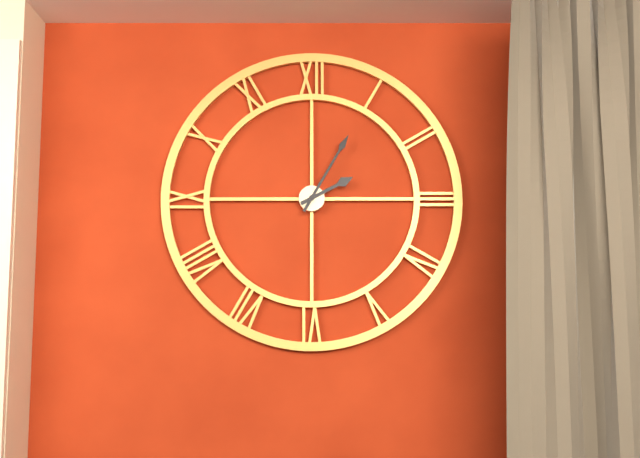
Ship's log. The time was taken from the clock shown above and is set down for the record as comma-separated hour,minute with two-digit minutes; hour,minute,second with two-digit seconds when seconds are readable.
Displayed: 2,05
